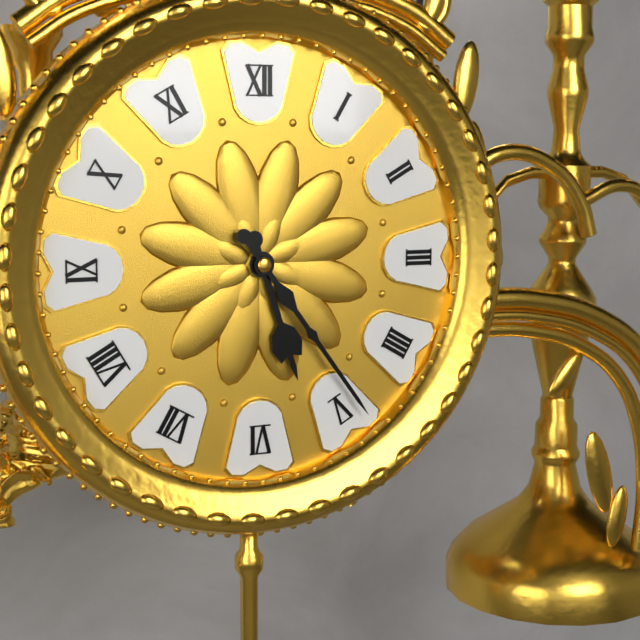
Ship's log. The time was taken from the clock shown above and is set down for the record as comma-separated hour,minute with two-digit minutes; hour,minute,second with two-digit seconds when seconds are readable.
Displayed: 5,24
